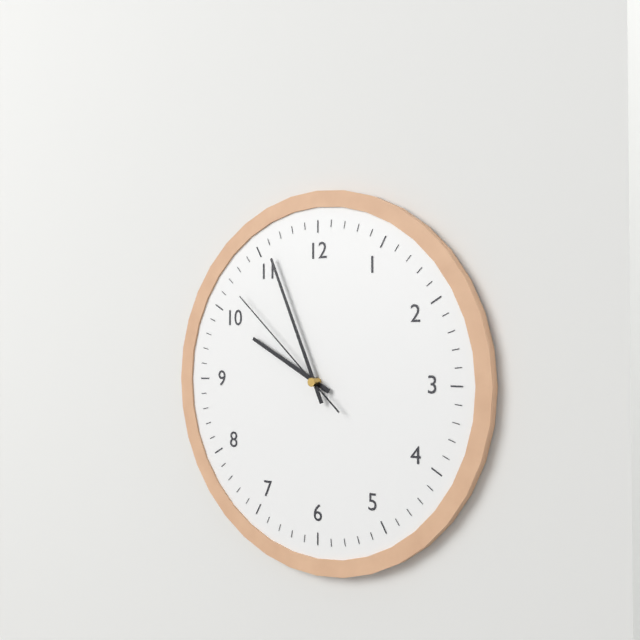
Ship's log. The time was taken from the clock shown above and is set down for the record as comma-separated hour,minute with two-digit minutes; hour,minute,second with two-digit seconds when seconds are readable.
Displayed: 9,56,52
